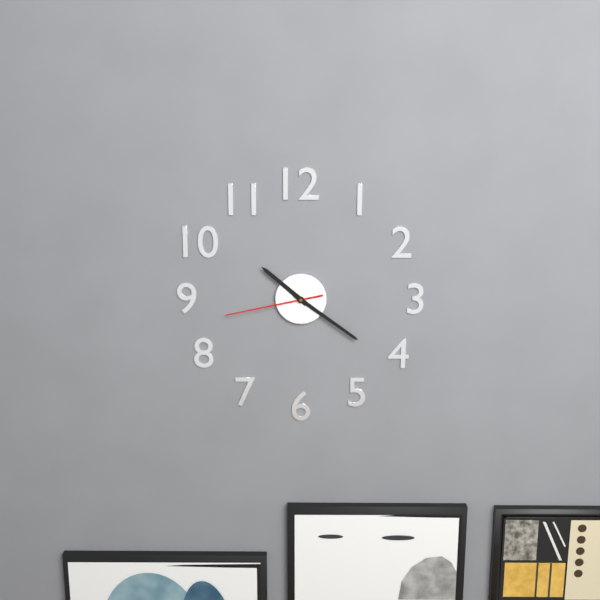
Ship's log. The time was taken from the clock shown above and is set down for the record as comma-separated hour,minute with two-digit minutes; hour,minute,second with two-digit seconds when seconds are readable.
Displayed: 10,21,43
